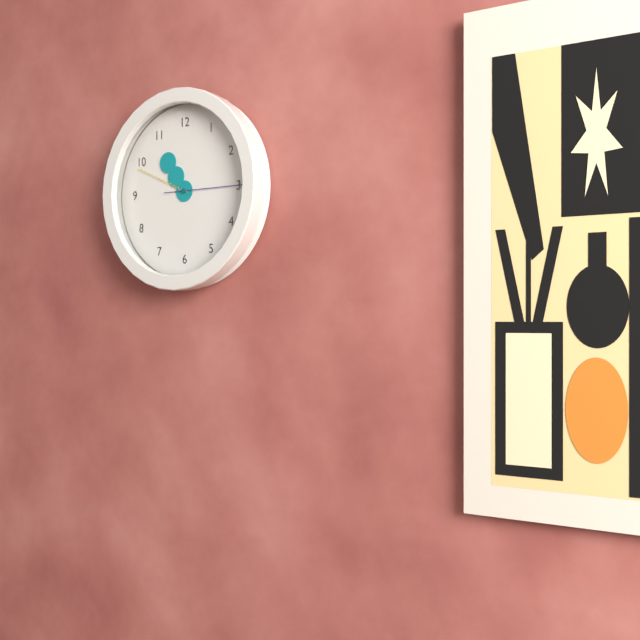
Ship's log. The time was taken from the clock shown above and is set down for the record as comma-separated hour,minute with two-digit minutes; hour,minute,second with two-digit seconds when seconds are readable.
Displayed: 10,49,15
